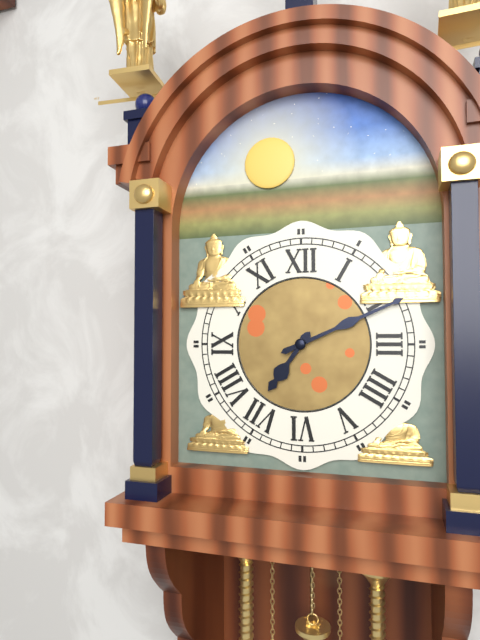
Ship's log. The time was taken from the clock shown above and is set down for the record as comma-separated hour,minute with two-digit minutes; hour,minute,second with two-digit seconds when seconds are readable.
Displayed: 7,11
